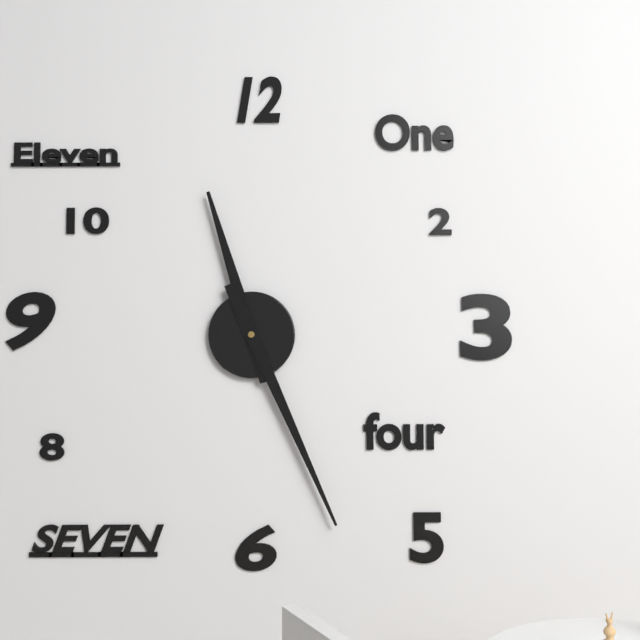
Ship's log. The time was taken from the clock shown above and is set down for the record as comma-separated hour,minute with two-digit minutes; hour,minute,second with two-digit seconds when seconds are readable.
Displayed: 11,26
